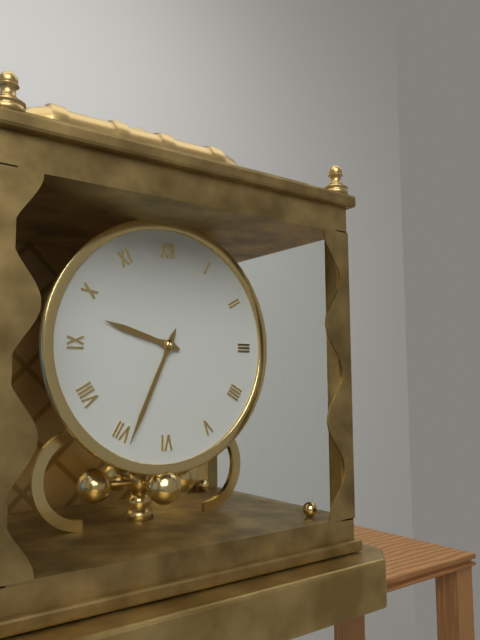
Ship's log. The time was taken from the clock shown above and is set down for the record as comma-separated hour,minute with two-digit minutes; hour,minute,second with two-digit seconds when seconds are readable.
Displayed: 9,34
